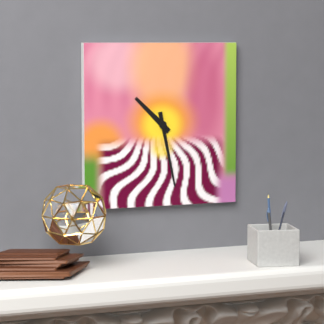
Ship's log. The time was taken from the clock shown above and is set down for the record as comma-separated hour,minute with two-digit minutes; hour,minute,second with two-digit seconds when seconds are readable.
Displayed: 10,28
